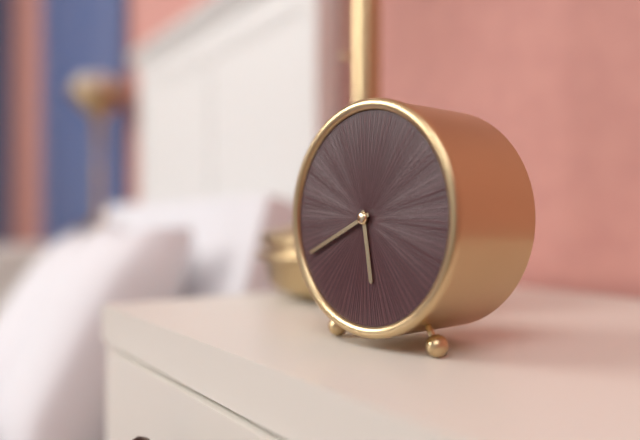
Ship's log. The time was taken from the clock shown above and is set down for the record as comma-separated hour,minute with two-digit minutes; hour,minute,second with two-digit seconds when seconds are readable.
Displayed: 5,41
